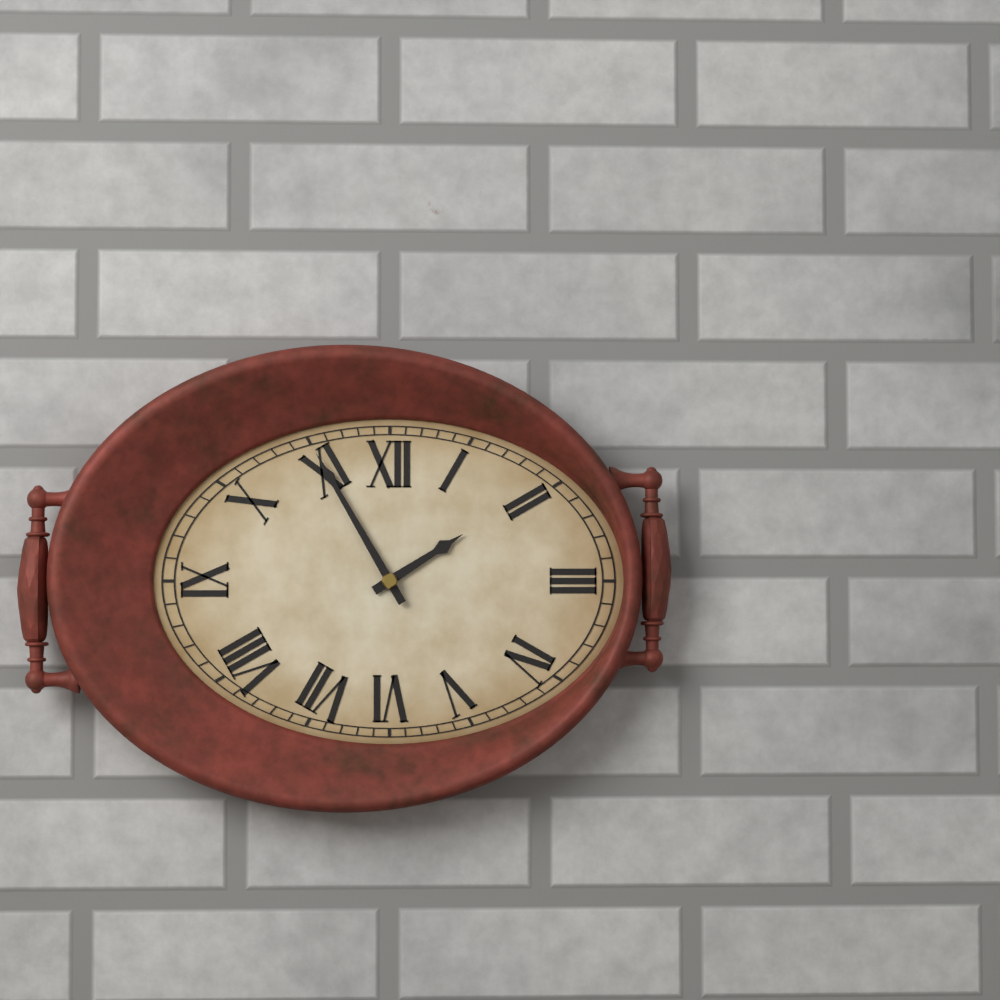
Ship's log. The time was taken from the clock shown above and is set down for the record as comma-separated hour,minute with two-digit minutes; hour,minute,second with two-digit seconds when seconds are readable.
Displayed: 1,55
